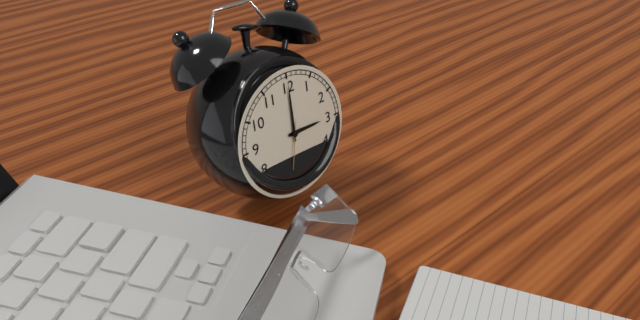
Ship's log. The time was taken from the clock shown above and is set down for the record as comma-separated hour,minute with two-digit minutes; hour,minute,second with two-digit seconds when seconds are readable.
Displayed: 3,00
